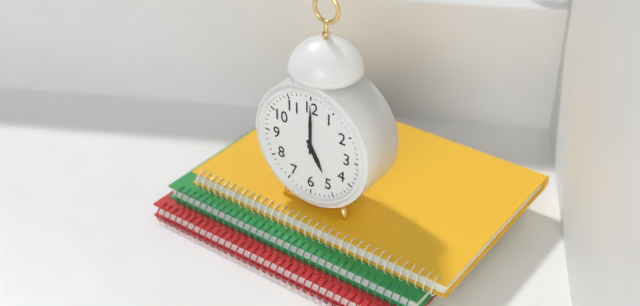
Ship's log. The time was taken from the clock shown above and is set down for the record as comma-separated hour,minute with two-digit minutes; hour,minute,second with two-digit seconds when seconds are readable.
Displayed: 5,00
